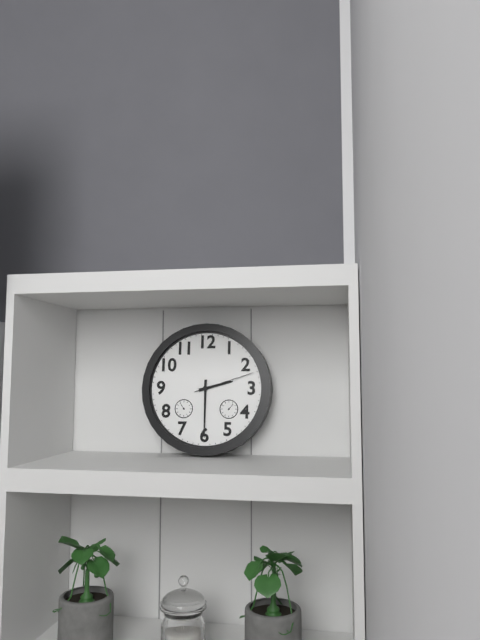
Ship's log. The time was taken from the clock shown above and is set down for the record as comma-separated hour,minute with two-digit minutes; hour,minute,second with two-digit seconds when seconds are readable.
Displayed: 2,30,12
